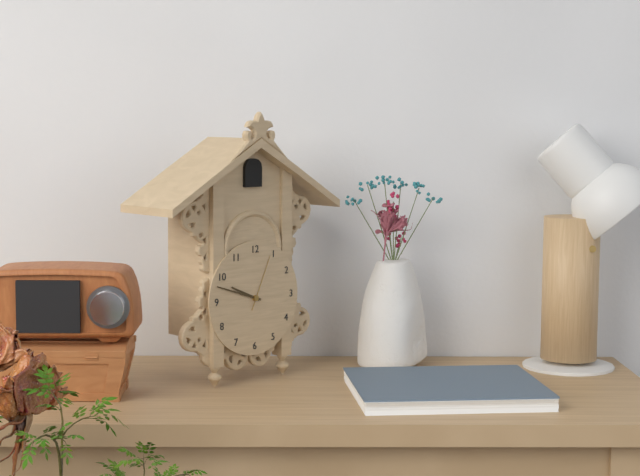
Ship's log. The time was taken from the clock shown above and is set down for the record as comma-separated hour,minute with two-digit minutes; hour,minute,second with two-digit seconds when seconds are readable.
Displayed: 9,48,04
